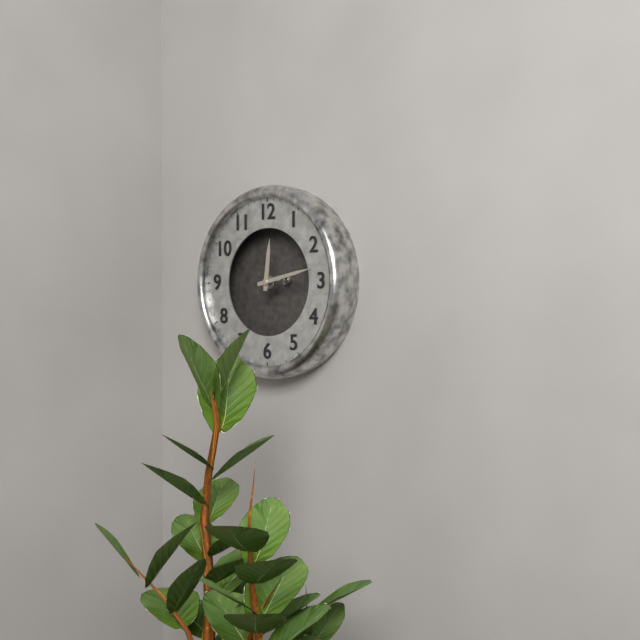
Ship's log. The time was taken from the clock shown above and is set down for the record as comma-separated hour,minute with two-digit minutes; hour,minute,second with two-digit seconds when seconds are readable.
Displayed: 12,13
